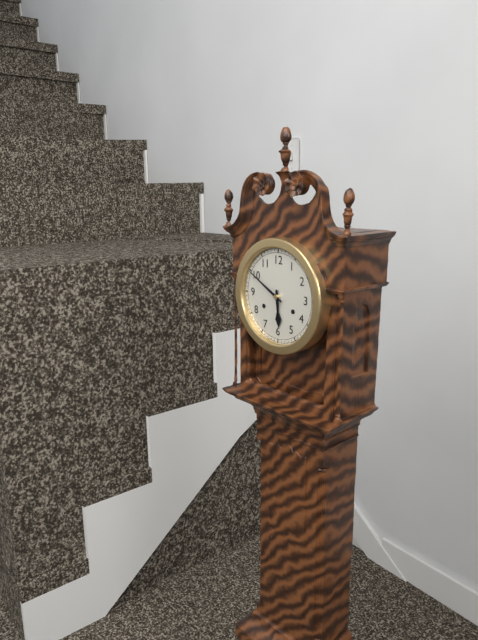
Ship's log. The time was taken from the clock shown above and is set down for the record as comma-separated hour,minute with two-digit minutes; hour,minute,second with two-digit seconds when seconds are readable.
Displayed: 5,50
